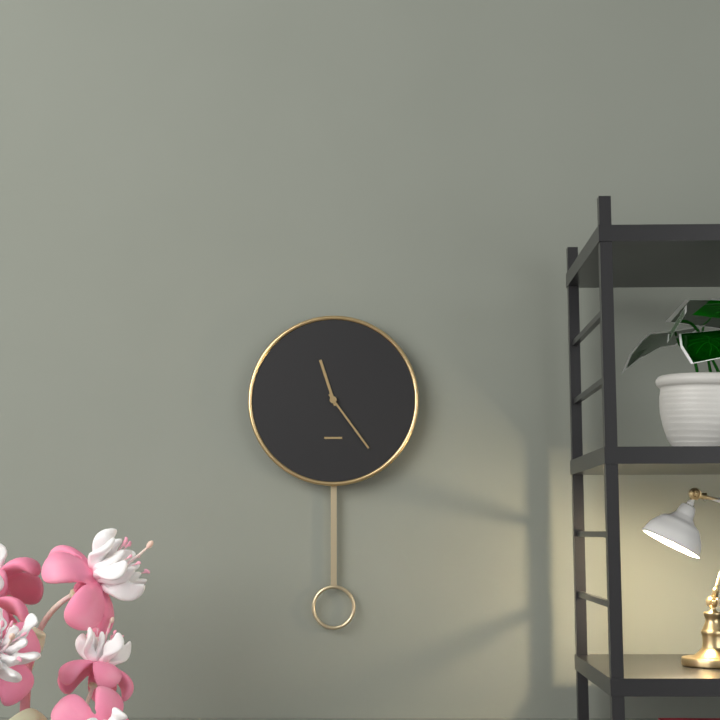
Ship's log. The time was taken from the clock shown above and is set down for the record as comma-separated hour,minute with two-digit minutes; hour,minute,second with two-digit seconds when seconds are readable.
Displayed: 11,24
